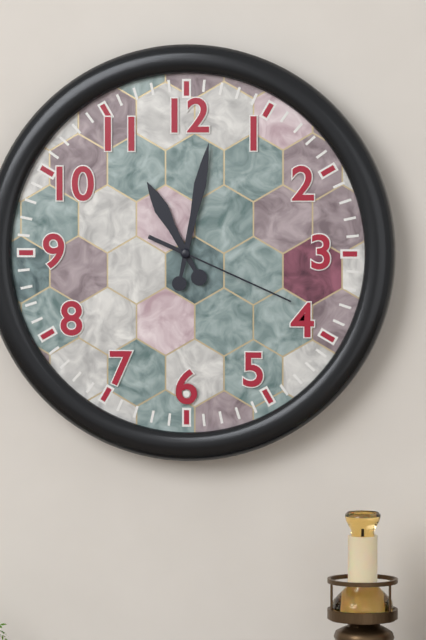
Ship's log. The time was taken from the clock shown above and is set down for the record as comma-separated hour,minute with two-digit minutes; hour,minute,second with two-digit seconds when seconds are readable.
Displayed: 11,02,19
